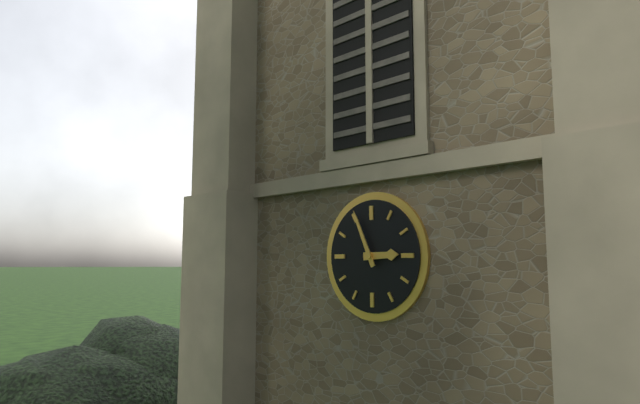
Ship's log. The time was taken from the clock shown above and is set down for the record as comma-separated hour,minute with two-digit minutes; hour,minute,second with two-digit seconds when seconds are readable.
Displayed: 2,56
